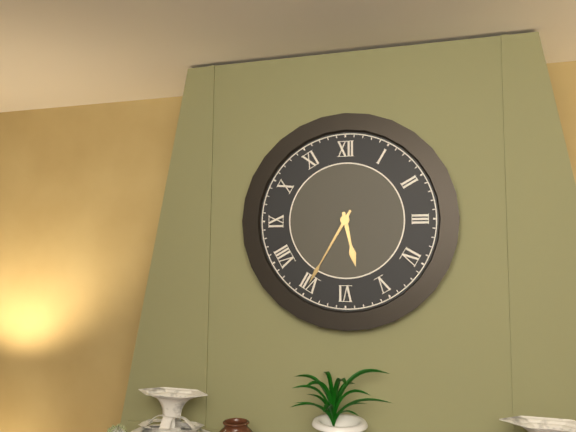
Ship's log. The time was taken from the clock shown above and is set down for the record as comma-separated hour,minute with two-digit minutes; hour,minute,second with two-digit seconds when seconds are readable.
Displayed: 5,35
